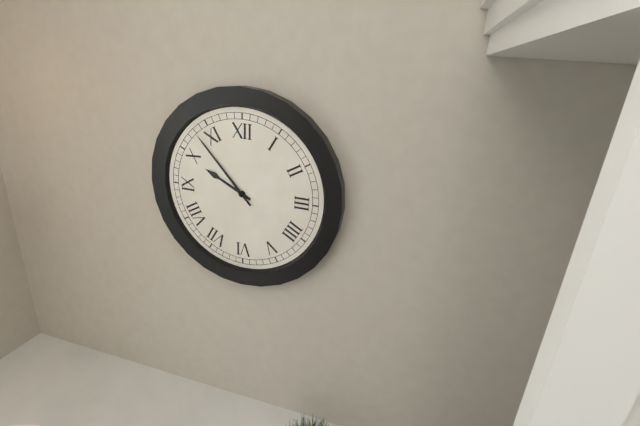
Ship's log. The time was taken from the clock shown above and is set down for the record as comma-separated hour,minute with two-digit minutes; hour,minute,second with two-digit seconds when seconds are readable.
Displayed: 9,53
